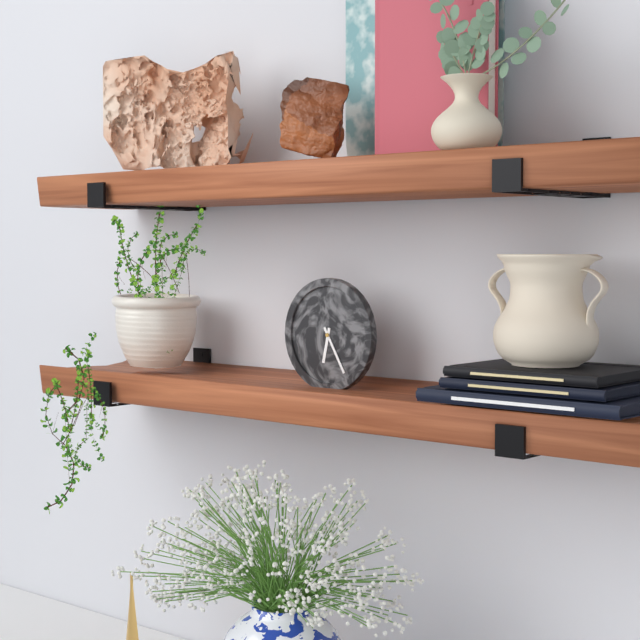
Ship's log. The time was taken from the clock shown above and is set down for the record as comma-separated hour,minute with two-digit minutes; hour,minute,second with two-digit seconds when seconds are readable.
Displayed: 6,25
